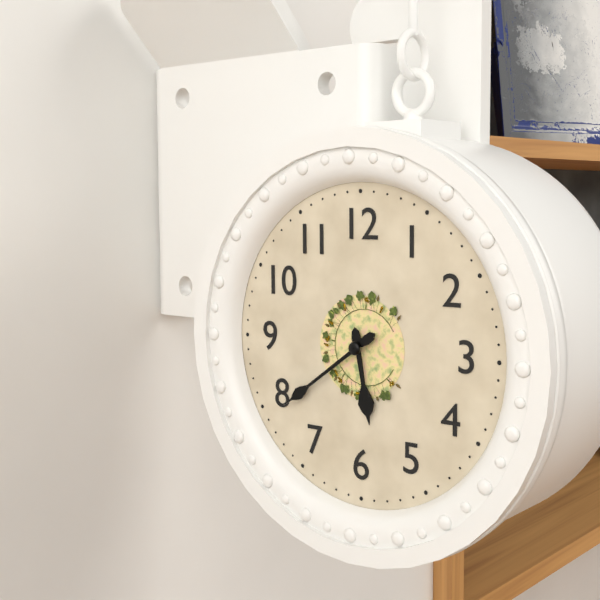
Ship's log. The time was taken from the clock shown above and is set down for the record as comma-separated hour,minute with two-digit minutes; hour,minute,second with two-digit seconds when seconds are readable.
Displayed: 5,39
